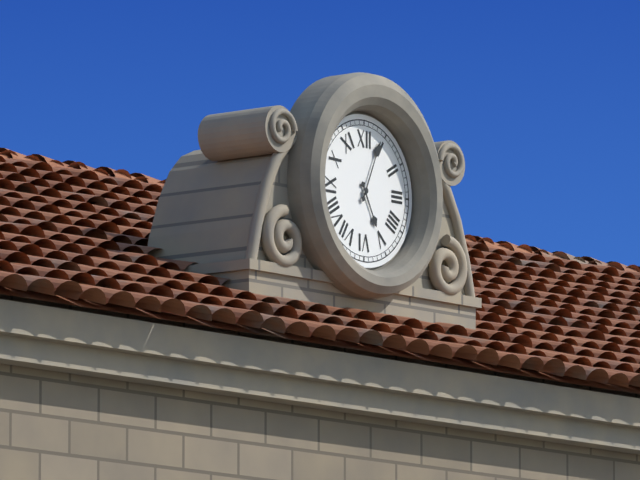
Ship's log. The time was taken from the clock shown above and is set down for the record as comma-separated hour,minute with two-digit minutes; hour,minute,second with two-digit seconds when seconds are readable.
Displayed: 5,04
